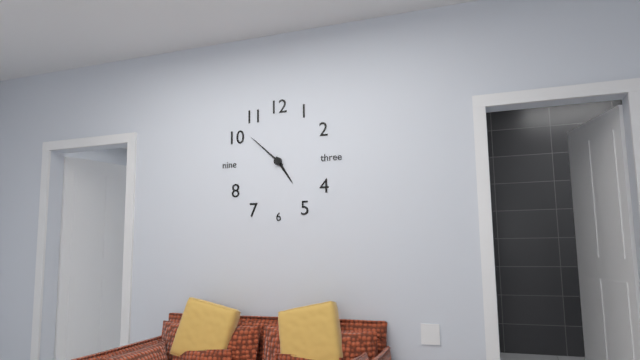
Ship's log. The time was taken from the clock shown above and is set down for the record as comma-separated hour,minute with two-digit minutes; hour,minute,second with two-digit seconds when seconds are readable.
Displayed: 4,52
